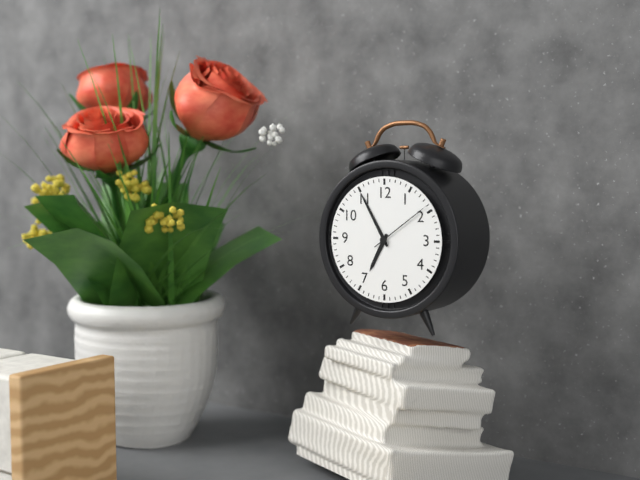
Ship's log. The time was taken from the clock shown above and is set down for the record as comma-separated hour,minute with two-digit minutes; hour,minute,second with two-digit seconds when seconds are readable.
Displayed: 6,55,09
